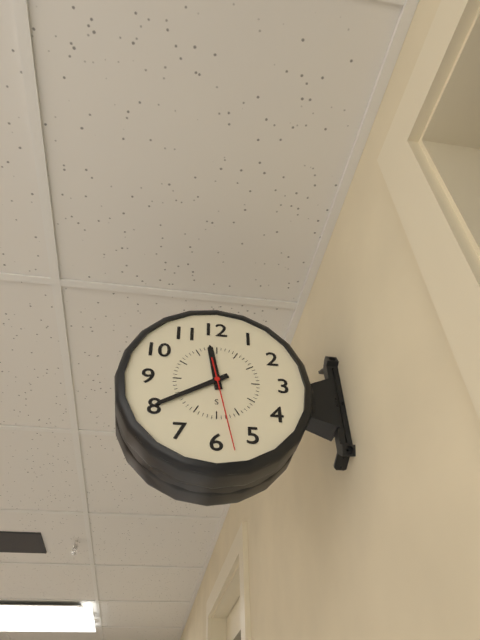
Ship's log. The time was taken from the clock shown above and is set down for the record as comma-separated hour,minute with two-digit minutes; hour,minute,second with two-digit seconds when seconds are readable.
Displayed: 11,40,28
